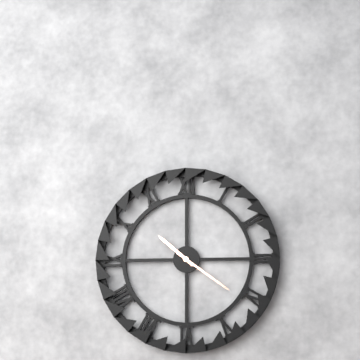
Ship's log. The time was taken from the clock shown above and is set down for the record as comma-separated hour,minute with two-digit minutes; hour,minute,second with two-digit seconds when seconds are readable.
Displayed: 10,21
